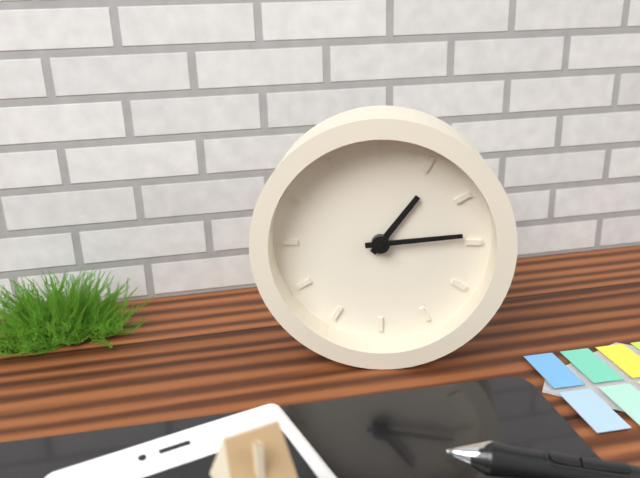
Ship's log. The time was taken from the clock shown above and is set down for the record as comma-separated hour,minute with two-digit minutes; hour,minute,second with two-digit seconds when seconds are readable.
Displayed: 1,14
